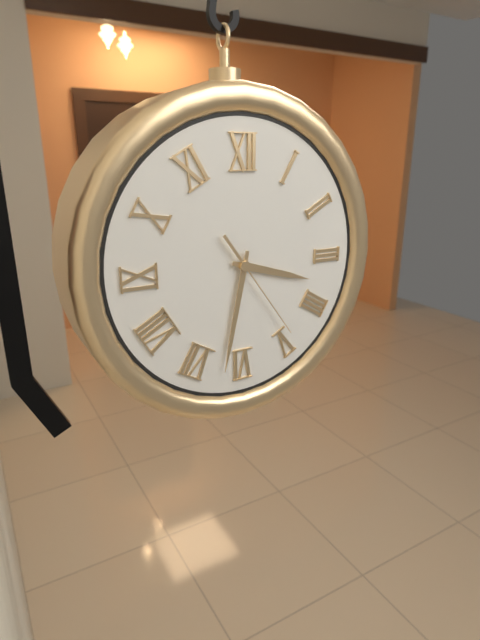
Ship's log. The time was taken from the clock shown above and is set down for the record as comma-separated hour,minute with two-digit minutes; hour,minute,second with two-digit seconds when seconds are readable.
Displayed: 3,32,24
